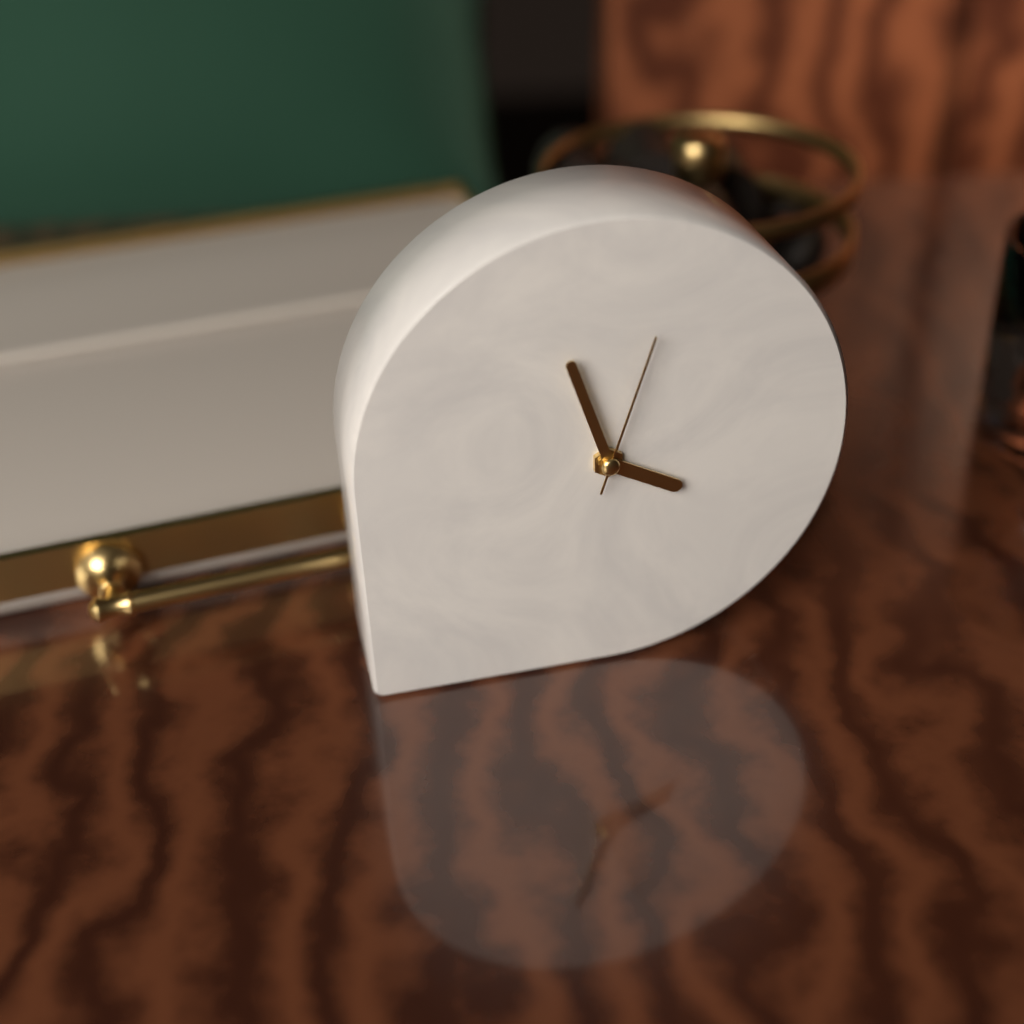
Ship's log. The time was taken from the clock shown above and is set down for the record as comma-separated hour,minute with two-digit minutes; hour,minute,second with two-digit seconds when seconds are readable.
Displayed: 3,57,03
